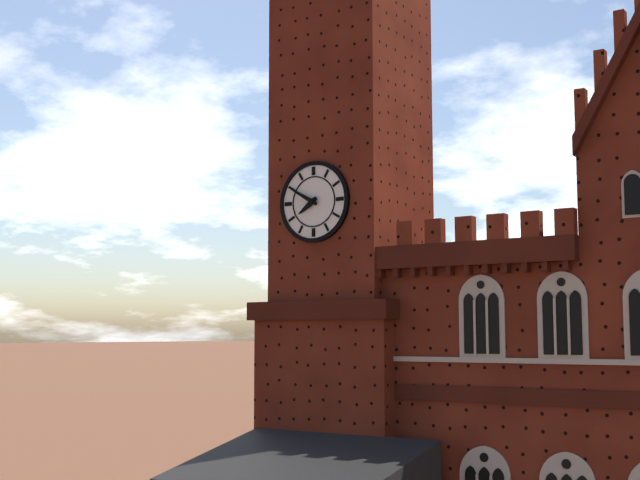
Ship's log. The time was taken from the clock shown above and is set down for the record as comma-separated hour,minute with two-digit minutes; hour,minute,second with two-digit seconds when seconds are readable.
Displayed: 7,50
